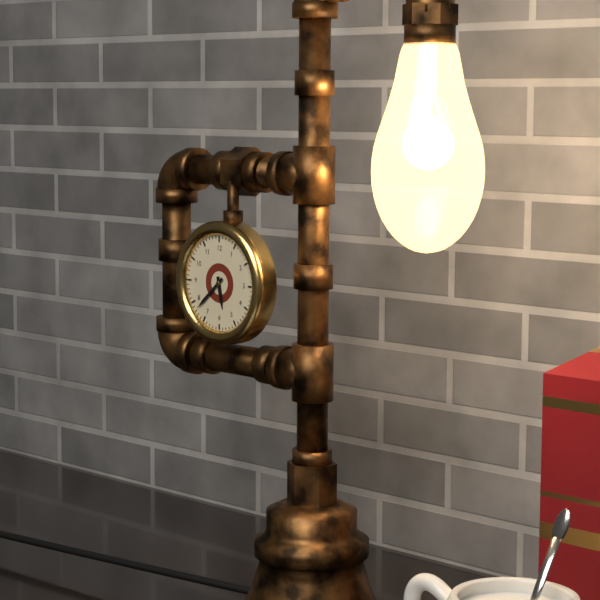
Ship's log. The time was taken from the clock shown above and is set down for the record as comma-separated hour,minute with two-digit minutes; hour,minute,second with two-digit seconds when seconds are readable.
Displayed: 5,38
